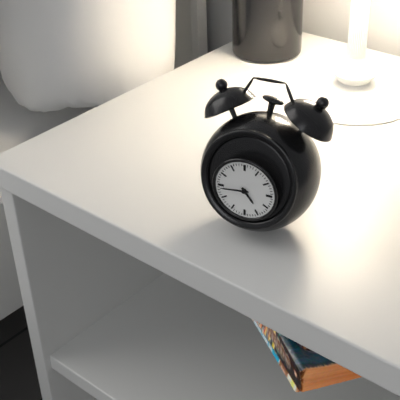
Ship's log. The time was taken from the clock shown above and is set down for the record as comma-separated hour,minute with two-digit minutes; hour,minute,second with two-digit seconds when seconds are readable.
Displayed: 4,44
